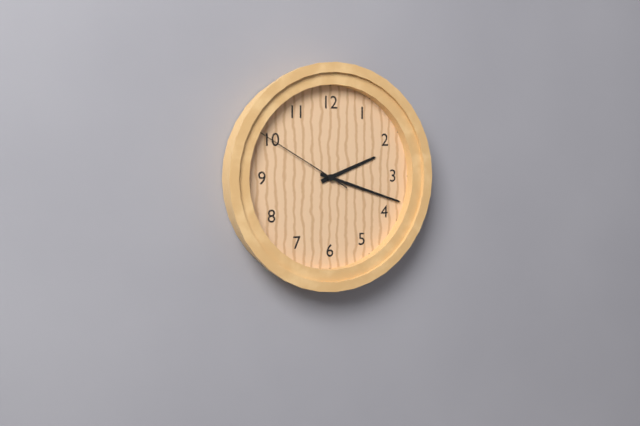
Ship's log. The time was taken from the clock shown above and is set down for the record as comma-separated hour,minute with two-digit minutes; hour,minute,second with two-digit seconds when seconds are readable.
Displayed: 2,18,50
